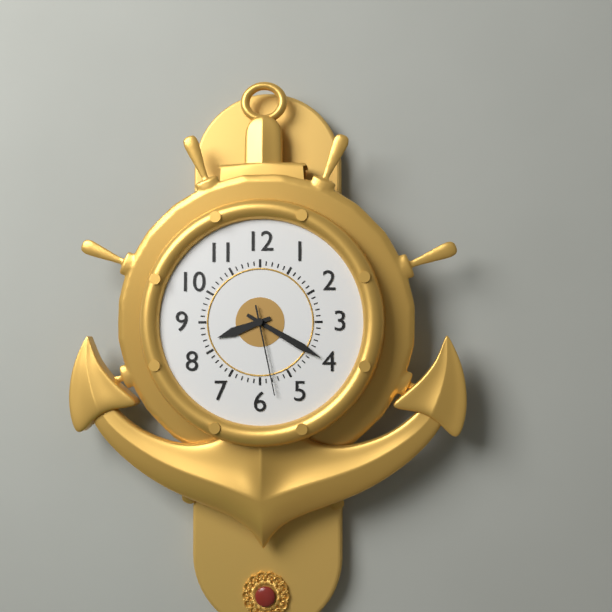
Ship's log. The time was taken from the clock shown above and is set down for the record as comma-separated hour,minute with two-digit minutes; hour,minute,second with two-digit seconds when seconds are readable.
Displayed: 8,20,28
